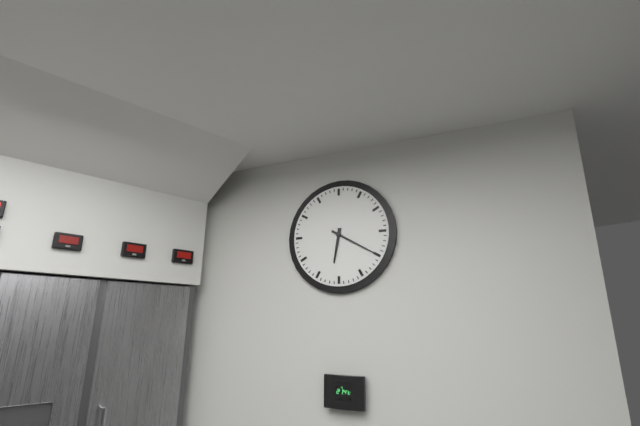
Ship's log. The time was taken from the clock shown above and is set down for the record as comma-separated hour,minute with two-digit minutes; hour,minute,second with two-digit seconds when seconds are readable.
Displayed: 6,20
